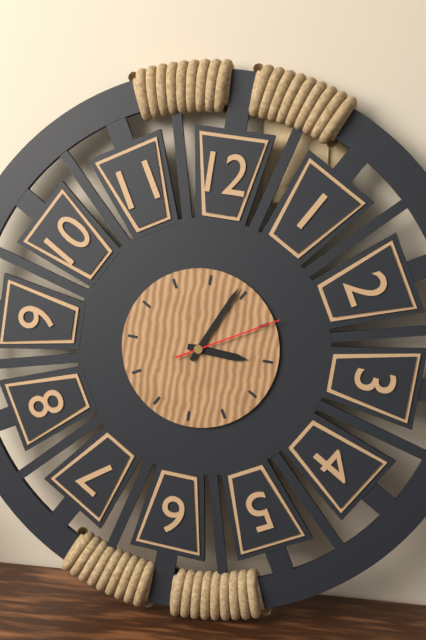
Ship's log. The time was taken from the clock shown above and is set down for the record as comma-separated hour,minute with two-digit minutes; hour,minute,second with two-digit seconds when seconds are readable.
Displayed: 3,04,10
